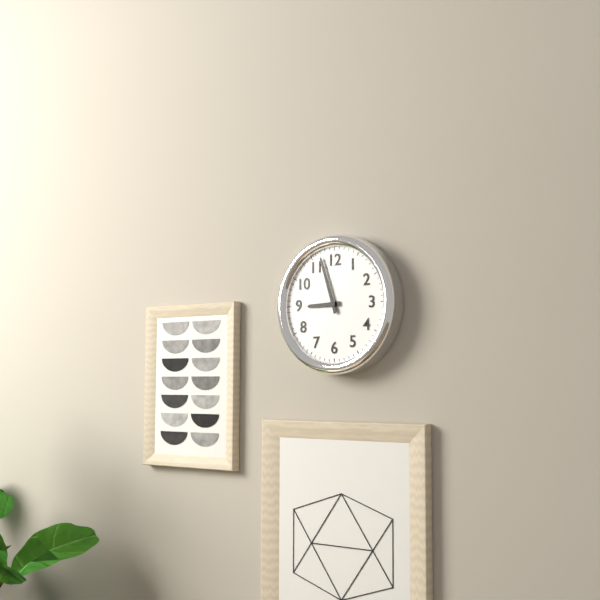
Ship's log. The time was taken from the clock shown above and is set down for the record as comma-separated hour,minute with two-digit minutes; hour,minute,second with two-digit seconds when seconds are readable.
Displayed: 8,57
